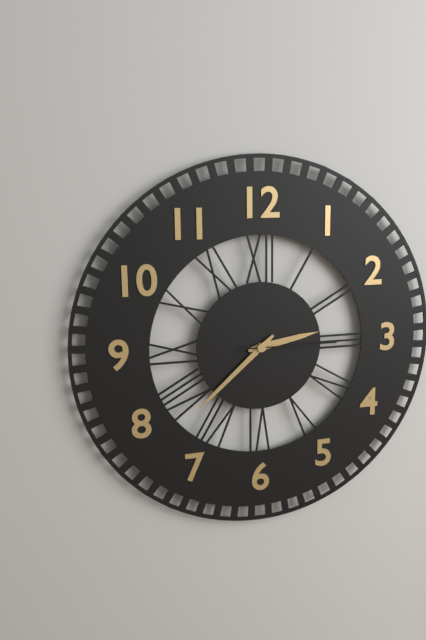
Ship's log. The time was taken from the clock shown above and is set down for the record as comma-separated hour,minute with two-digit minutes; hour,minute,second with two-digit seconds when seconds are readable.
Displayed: 2,38,15
